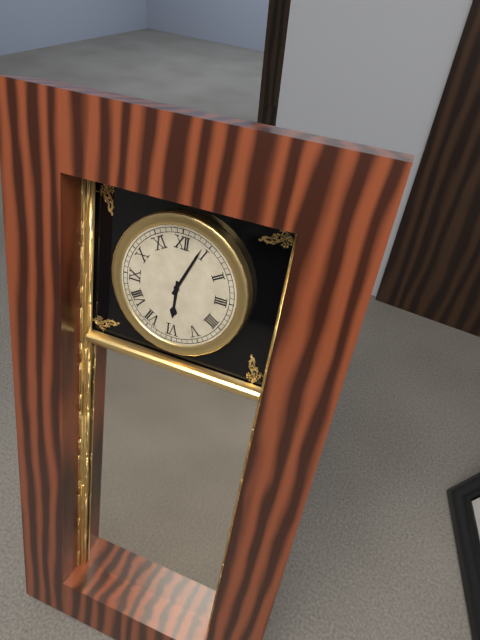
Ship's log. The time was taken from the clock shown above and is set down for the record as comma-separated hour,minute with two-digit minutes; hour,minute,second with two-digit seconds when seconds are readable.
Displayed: 6,04
